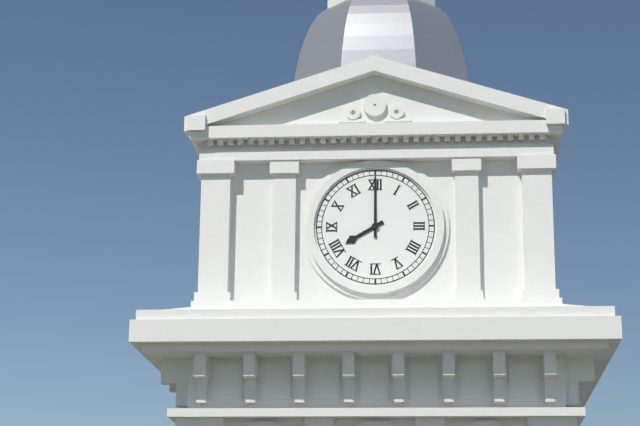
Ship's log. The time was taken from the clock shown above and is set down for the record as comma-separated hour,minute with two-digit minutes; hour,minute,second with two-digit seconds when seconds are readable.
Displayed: 8,00
